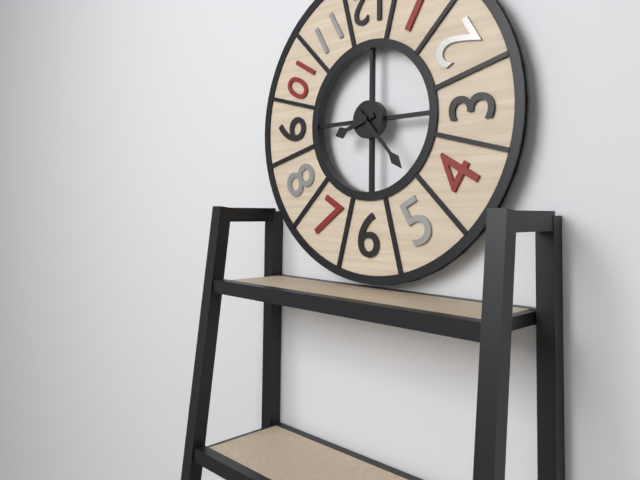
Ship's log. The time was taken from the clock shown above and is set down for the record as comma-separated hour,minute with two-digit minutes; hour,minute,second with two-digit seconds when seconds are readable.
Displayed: 8,23
